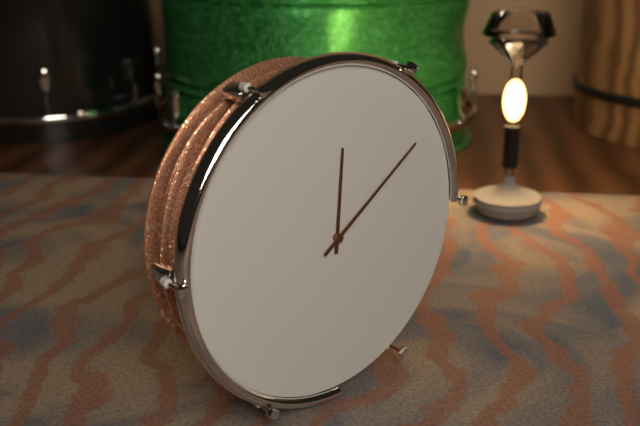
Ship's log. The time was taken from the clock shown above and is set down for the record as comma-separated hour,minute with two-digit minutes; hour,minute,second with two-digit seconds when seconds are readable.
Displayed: 12,09
